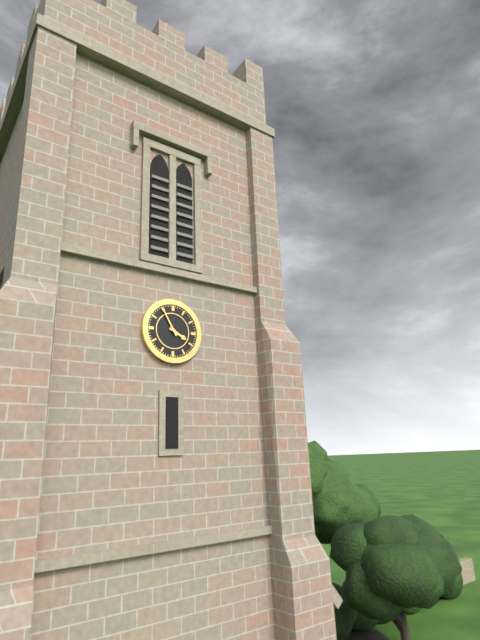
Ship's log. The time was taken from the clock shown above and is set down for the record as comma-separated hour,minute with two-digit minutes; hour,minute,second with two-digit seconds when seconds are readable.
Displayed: 3,55
